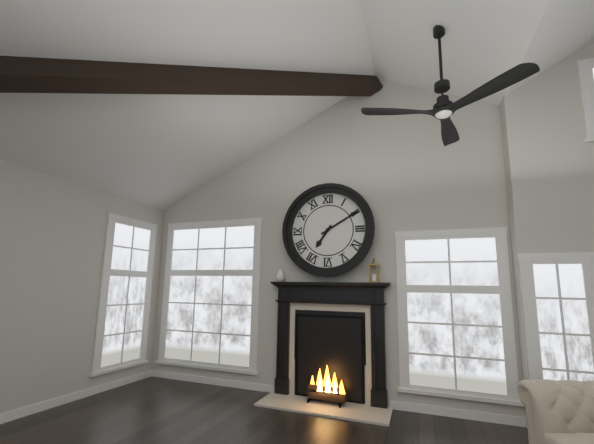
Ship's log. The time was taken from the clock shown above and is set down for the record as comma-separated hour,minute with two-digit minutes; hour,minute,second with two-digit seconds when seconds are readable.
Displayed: 7,10
